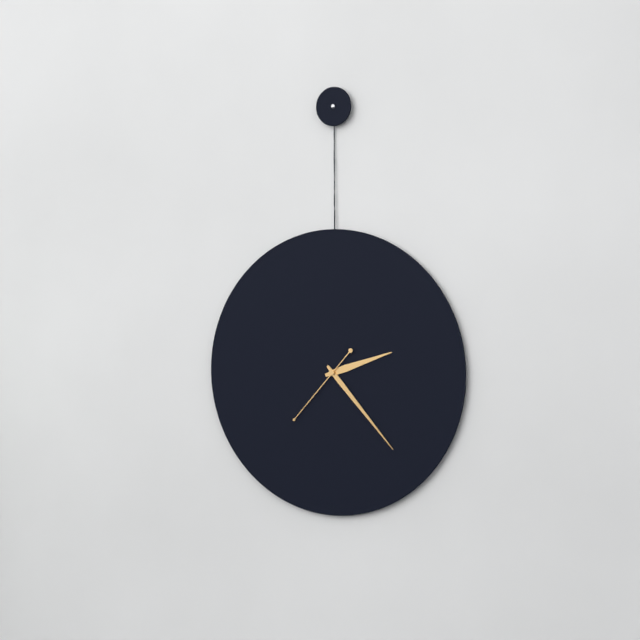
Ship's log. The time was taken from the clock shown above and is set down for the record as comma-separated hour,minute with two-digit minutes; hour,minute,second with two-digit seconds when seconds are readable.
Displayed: 2,23,37
